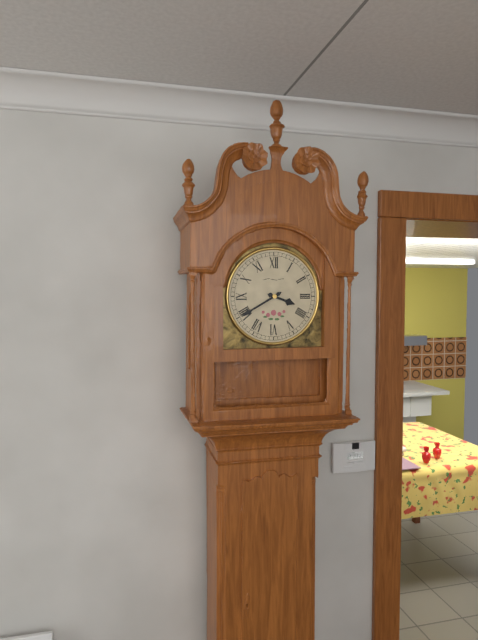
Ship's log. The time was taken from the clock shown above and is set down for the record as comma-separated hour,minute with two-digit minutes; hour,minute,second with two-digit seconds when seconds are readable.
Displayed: 3,40
